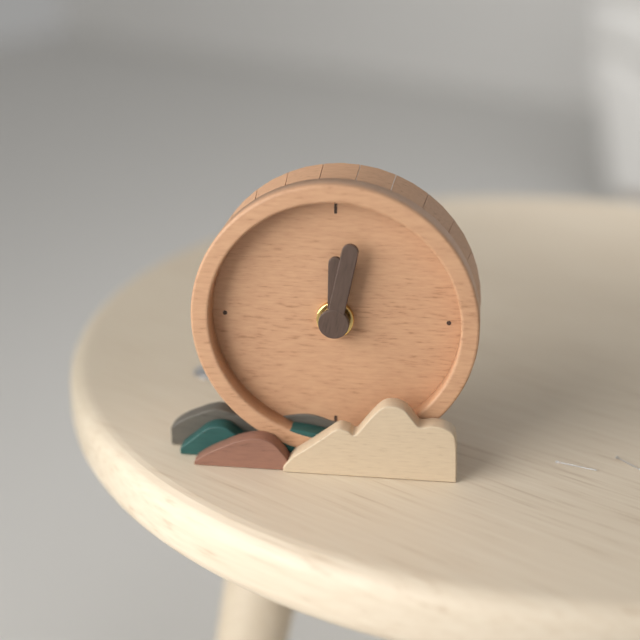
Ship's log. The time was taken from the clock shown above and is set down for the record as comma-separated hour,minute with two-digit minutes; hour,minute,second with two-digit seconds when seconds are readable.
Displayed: 12,02
